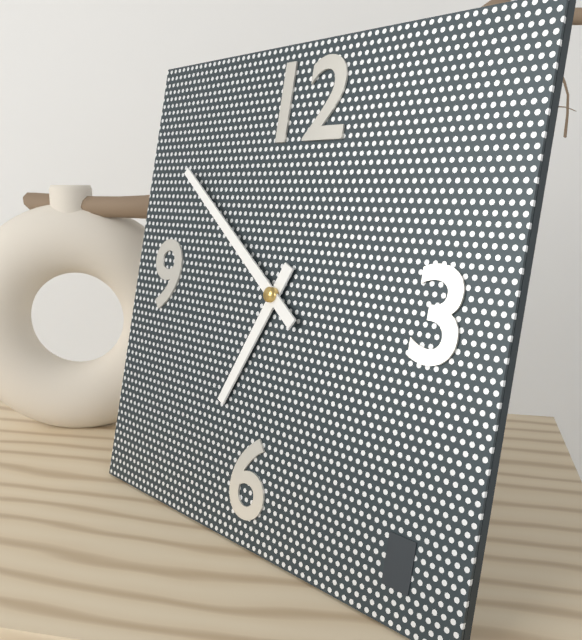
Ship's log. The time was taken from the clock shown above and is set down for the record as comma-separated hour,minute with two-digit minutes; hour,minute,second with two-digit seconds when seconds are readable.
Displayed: 6,51
